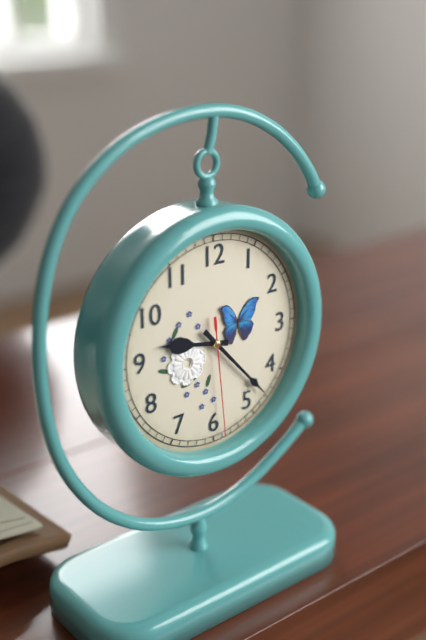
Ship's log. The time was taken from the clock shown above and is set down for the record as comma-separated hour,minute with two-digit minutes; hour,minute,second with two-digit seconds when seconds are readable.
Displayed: 9,23,29
